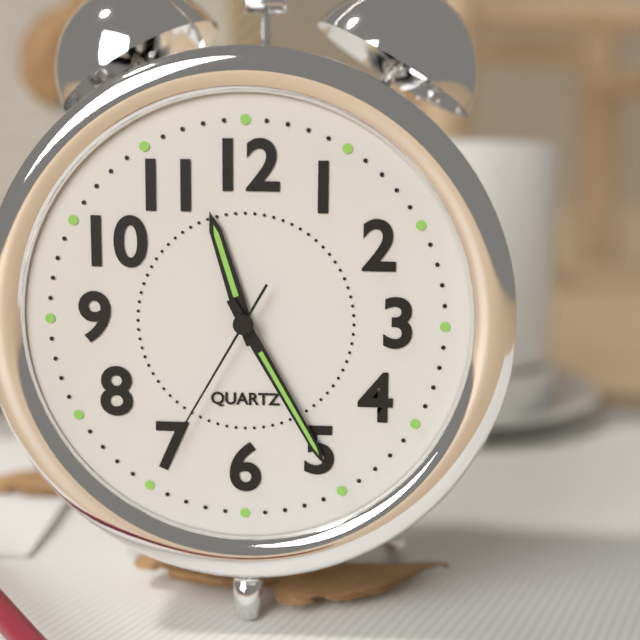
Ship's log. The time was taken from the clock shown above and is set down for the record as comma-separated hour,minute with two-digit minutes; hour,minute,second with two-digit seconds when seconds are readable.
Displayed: 11,25,35
